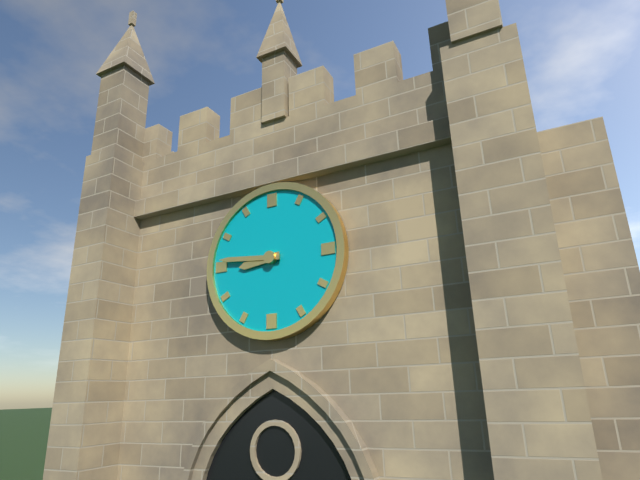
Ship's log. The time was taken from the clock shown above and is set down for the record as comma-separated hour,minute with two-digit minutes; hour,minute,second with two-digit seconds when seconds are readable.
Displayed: 8,46
